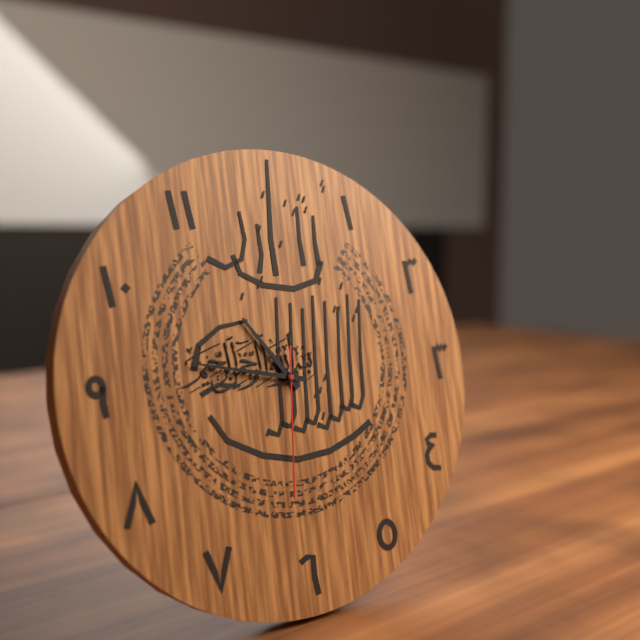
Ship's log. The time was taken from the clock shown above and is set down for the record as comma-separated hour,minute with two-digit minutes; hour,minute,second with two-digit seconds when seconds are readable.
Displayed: 10,47,31
